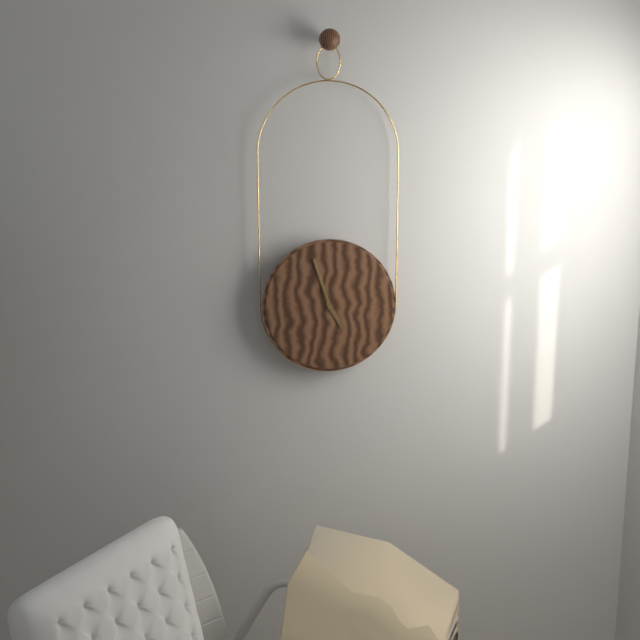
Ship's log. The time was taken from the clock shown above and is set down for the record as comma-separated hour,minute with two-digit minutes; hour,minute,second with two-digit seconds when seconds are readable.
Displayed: 4,57
